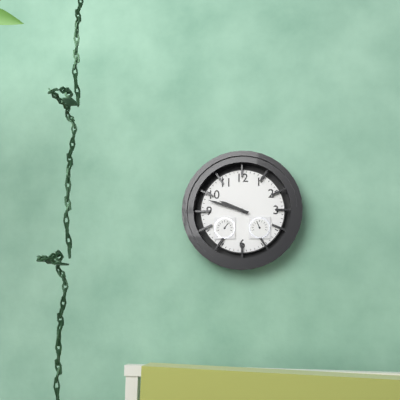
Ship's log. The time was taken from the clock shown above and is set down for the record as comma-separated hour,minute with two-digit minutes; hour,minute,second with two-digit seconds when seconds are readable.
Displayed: 9,48
